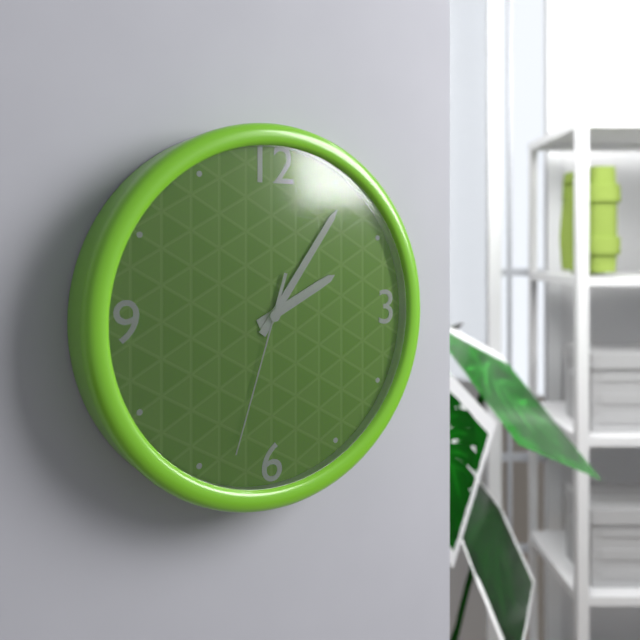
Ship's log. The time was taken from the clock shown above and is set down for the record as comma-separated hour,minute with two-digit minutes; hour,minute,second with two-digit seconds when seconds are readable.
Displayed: 2,06,33
